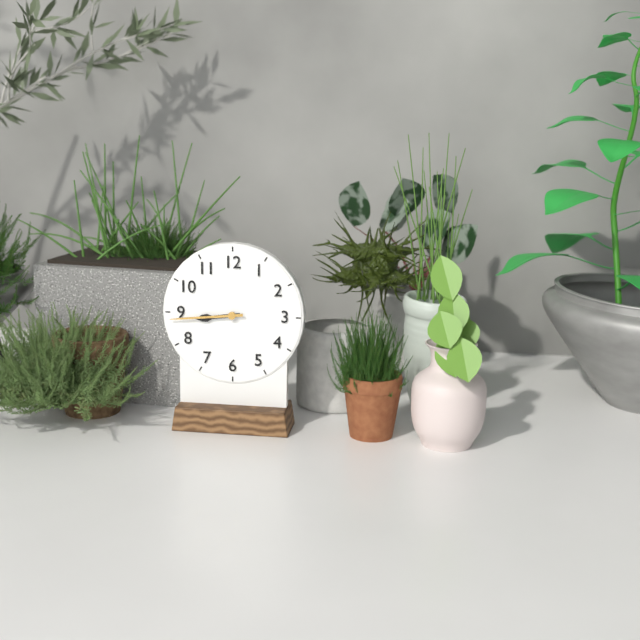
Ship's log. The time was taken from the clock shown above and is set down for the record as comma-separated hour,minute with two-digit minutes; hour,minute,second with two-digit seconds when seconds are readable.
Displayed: 8,44
